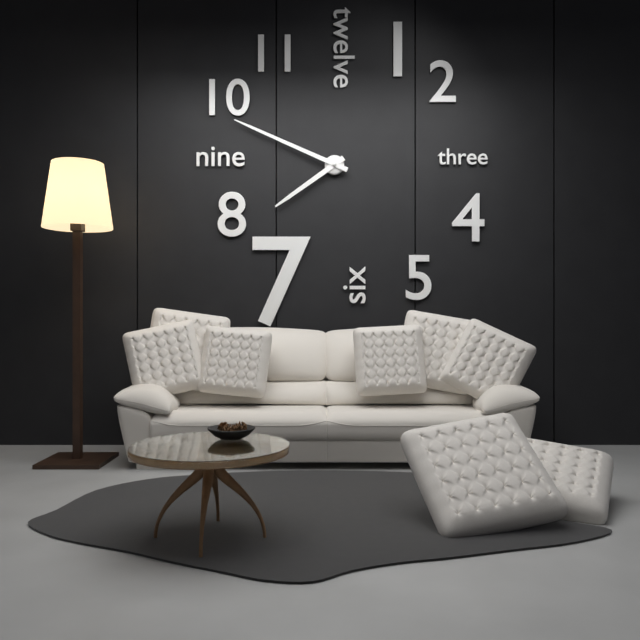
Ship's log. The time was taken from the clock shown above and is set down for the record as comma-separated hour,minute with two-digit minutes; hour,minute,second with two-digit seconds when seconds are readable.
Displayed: 7,49
